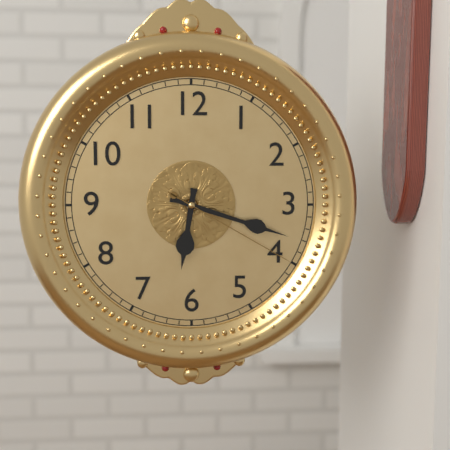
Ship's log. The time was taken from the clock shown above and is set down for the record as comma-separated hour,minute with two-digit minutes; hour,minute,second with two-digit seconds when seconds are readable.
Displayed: 6,18,20
